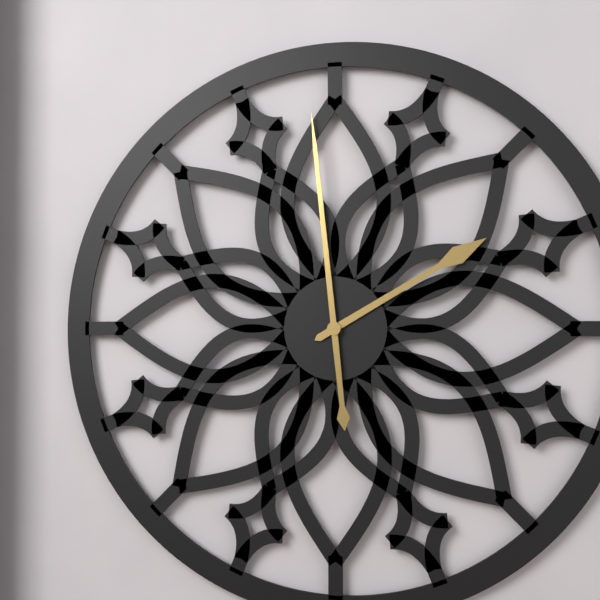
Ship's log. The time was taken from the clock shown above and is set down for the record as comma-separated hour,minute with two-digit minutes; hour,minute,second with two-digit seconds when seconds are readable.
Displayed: 1,59
